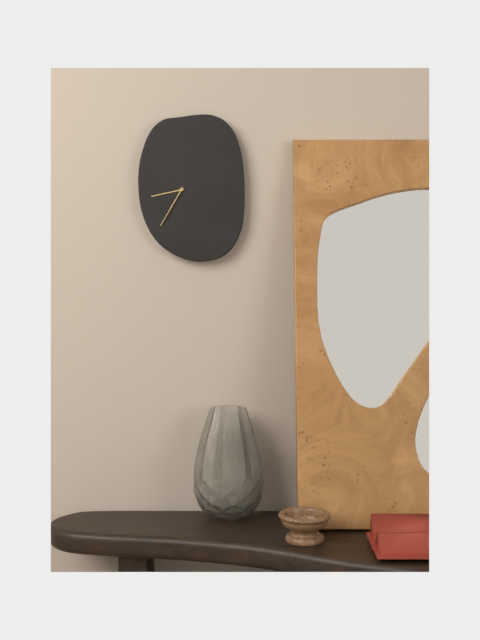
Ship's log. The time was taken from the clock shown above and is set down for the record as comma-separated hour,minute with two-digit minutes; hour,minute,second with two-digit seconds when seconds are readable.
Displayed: 8,35
